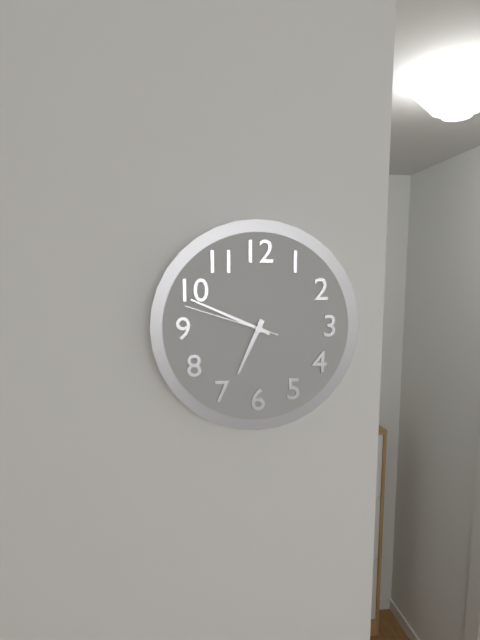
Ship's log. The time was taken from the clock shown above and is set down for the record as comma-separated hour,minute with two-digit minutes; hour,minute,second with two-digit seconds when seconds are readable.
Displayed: 6,49,48
